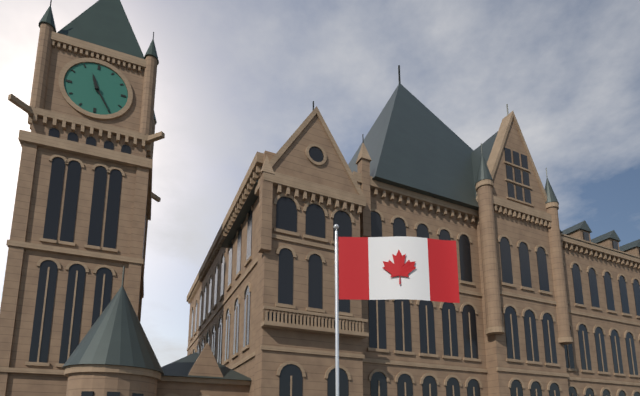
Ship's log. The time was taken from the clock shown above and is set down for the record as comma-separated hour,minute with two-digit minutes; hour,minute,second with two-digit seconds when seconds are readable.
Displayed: 11,25
